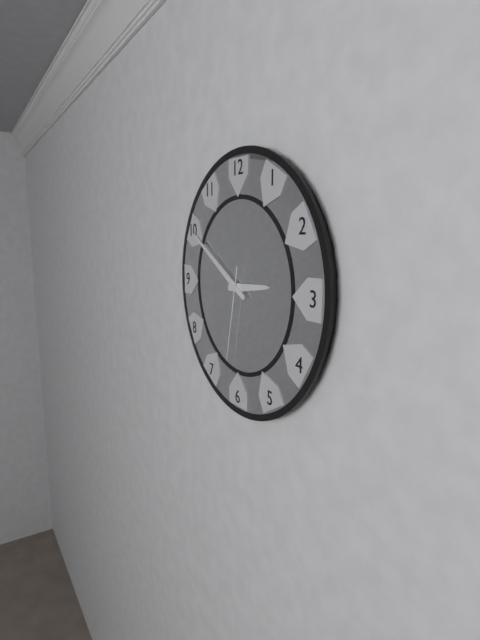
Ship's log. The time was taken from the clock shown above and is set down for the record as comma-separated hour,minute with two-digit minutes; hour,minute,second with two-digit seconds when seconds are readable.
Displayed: 2,50,32
